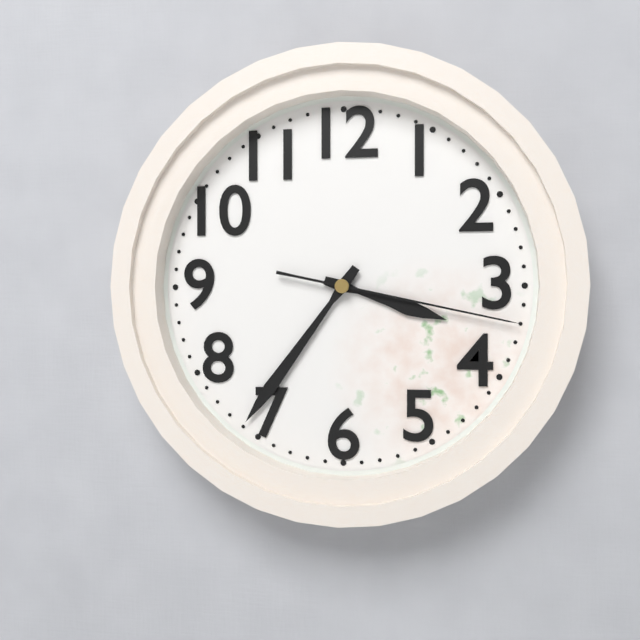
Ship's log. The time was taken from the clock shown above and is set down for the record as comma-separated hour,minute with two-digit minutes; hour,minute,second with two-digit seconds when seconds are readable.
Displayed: 3,36,17
